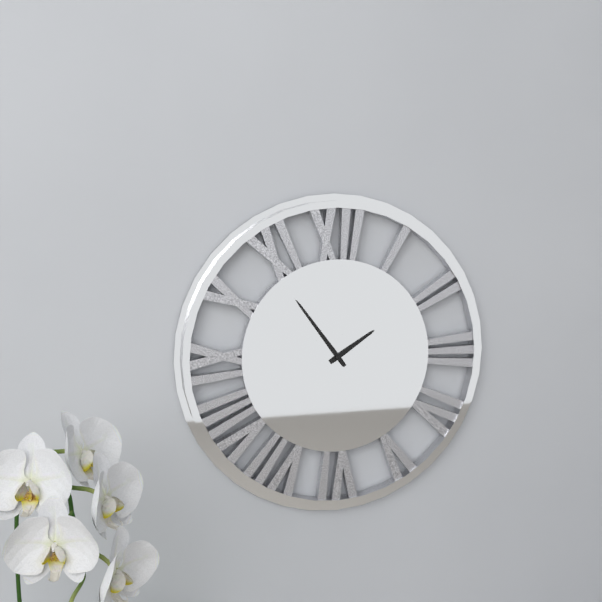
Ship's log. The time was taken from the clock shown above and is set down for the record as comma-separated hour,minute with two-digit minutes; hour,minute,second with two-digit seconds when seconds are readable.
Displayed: 1,54
